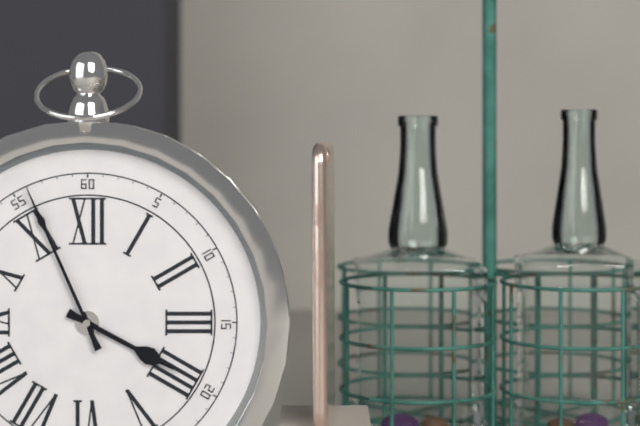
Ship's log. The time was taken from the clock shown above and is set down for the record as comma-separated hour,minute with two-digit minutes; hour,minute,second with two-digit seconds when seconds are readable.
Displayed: 3,56
